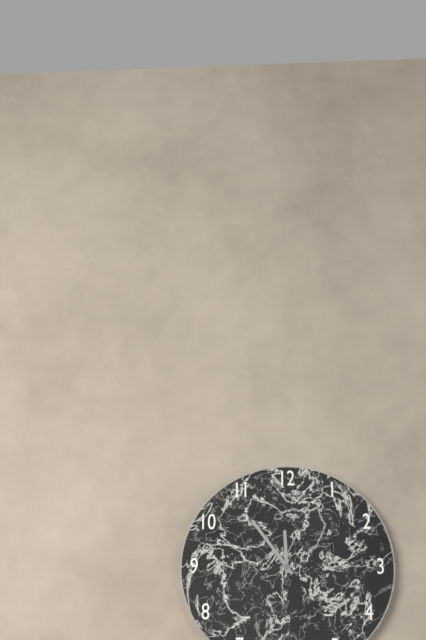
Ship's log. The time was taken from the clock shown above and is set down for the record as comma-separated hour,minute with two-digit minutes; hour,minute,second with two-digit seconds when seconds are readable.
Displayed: 11,54
